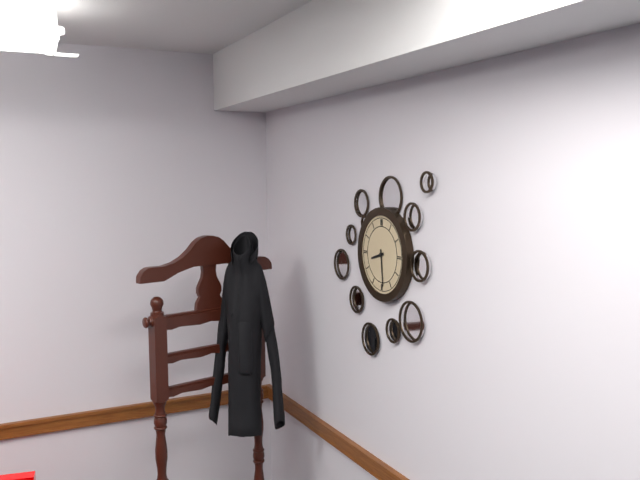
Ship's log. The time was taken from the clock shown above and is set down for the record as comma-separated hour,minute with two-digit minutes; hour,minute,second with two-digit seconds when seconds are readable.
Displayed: 8,29
